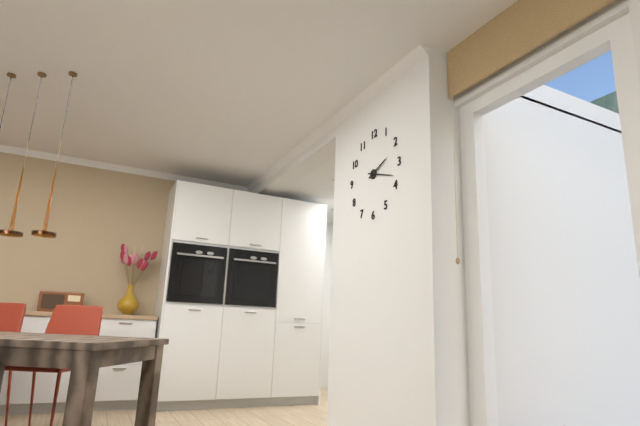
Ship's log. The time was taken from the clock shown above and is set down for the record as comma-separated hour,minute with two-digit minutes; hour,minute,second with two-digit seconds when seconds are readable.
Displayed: 2,18
